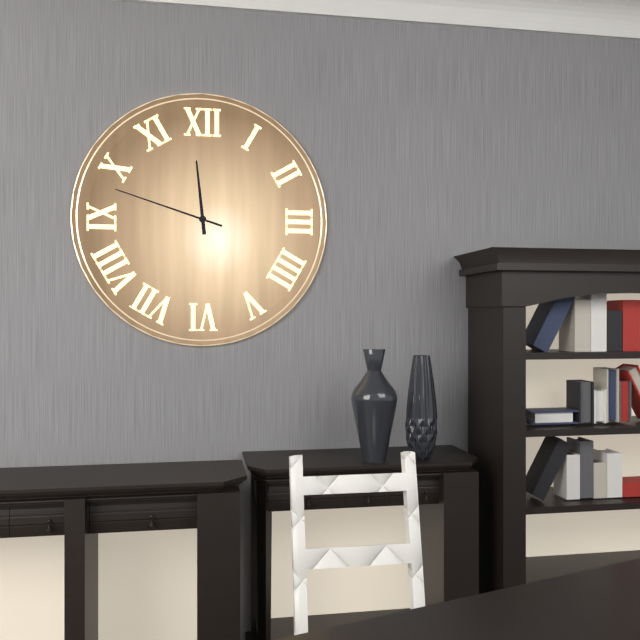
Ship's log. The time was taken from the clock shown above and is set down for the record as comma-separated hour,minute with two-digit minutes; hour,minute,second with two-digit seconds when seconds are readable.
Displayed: 11,48
